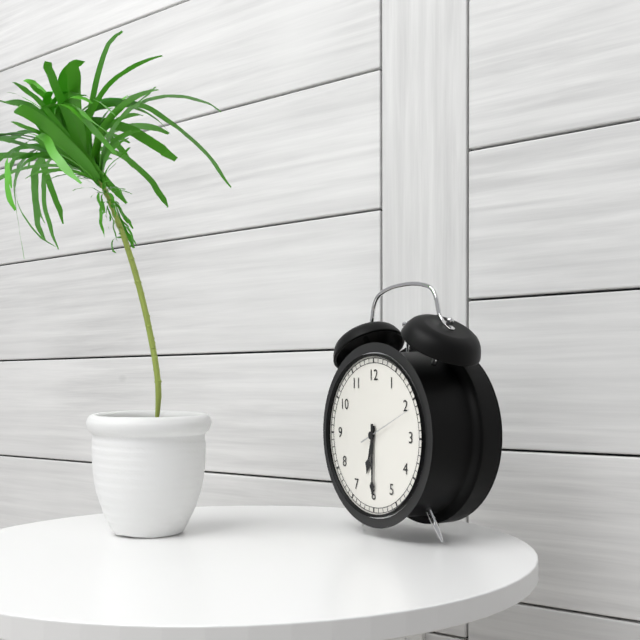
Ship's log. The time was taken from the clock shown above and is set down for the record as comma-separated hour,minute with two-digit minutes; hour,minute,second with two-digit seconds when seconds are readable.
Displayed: 6,30,11
